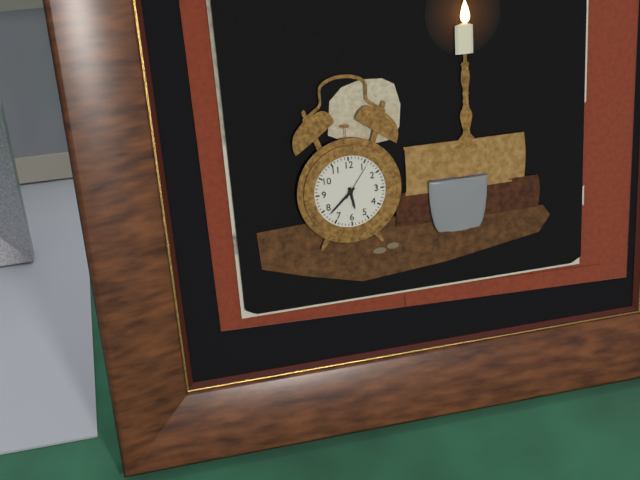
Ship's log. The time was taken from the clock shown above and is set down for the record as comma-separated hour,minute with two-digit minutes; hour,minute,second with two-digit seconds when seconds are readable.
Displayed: 5,38
